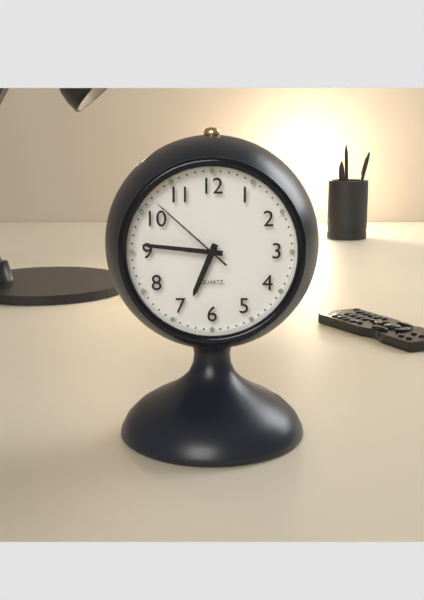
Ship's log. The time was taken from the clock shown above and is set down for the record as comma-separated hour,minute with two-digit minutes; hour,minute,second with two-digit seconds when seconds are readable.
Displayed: 6,46,52
